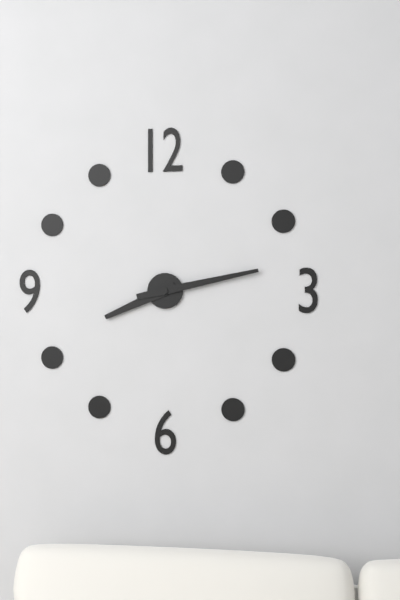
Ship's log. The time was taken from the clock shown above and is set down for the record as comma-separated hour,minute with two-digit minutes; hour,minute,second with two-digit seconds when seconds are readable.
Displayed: 8,13
